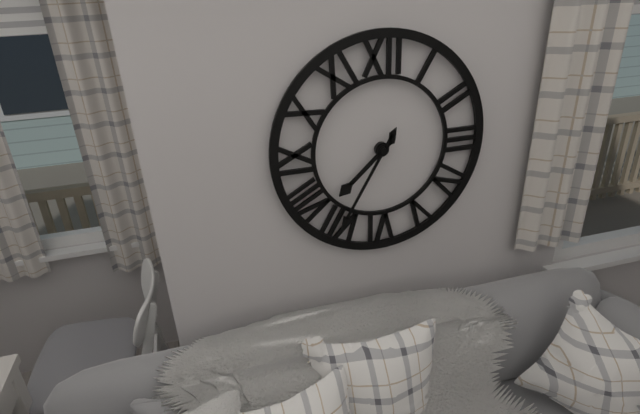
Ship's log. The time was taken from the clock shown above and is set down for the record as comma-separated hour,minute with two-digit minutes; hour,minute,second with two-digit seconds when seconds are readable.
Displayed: 7,35
